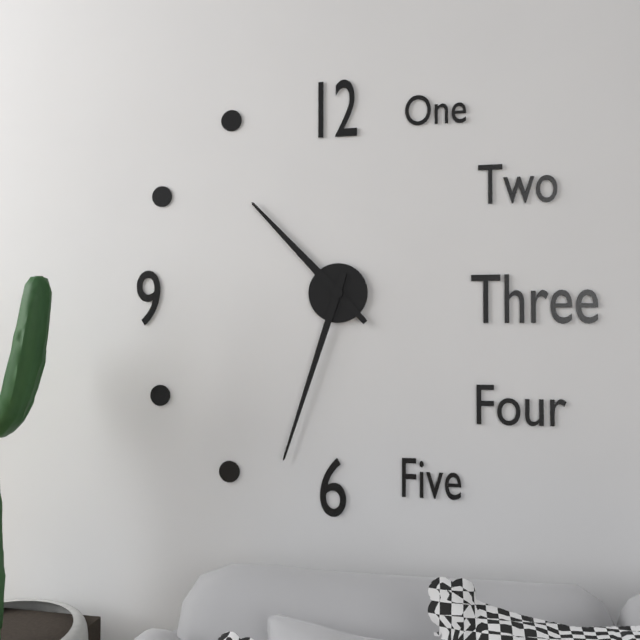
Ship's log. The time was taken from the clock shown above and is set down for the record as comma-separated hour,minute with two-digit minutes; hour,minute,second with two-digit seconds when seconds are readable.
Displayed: 10,33
